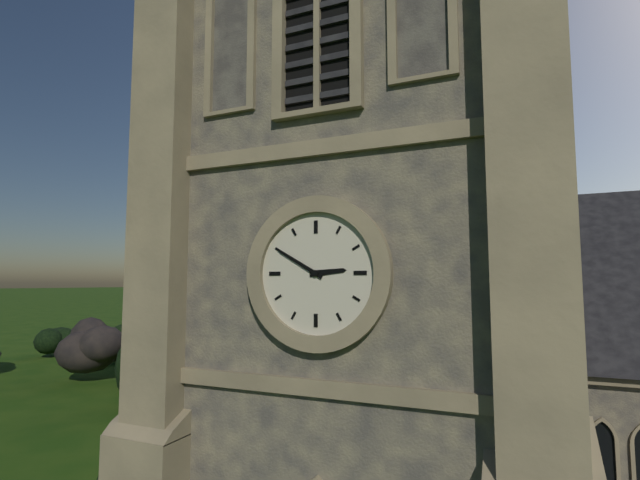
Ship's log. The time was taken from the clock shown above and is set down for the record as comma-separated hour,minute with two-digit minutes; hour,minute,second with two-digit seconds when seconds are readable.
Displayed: 2,50
